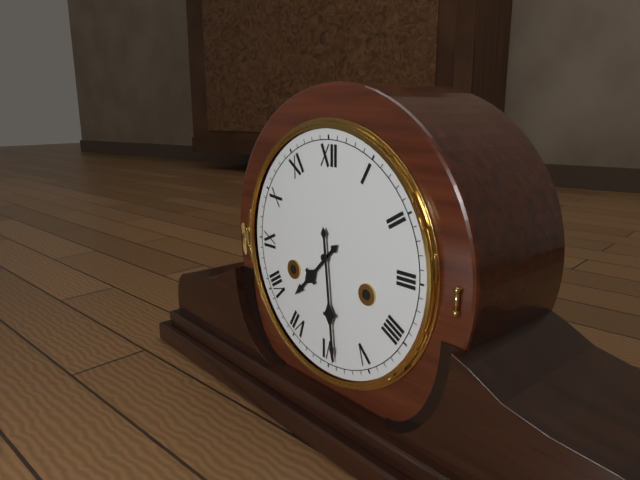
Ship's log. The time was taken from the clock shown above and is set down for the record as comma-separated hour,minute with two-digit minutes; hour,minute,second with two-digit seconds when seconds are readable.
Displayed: 7,29
